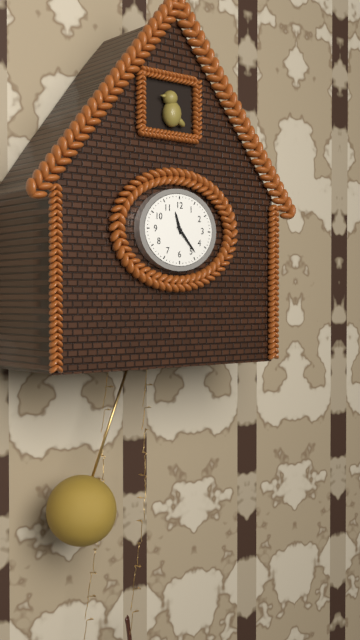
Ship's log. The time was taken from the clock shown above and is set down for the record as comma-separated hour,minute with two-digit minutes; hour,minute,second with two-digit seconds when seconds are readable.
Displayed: 11,23
